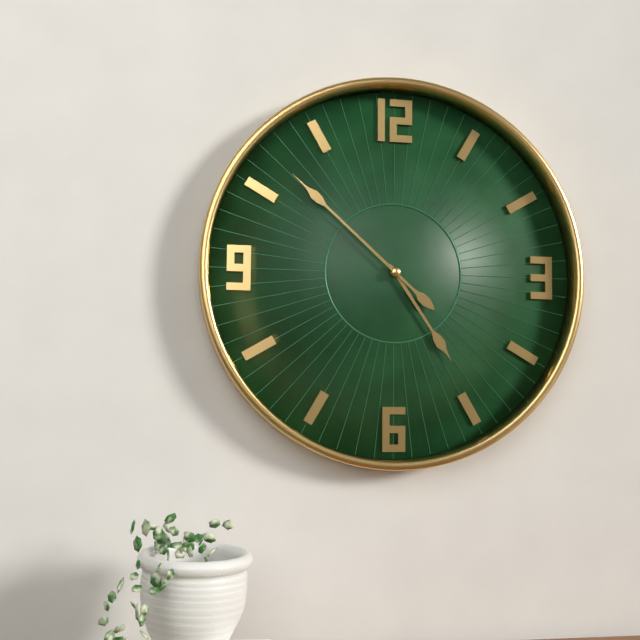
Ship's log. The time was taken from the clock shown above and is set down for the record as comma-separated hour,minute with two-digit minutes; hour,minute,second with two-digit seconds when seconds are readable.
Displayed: 4,52
